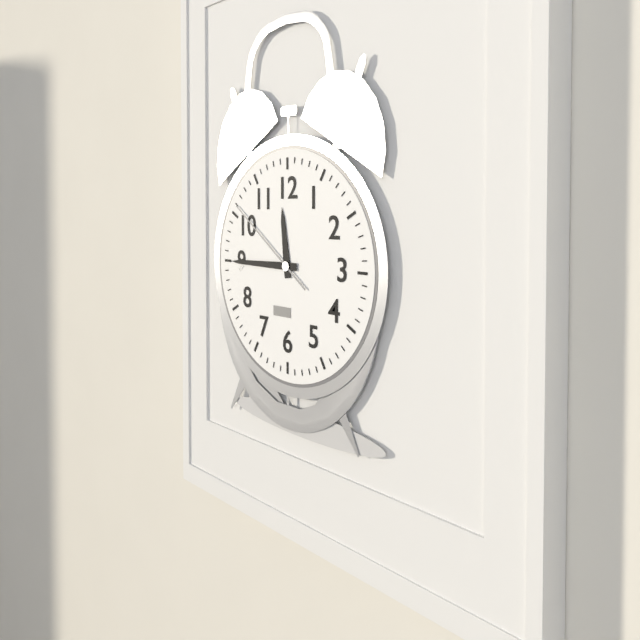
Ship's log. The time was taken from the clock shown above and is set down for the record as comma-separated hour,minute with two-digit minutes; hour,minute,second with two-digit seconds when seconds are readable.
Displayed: 11,45,51
